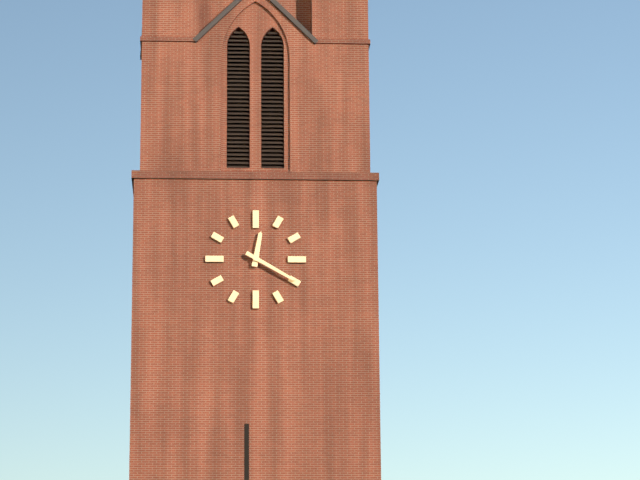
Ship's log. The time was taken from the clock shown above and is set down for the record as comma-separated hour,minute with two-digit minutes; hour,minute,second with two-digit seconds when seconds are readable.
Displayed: 12,20
